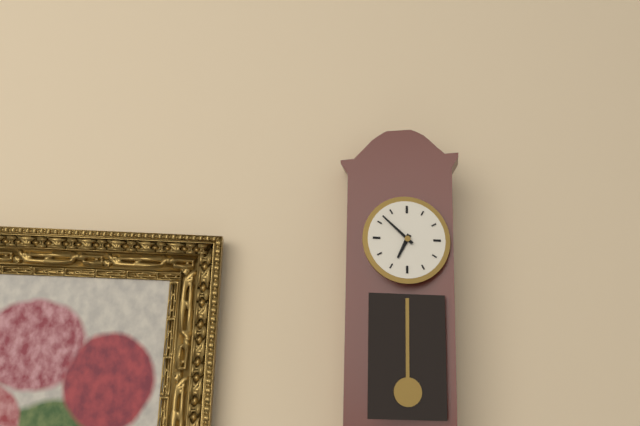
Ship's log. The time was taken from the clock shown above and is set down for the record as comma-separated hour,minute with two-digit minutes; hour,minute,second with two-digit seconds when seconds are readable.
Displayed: 6,52
